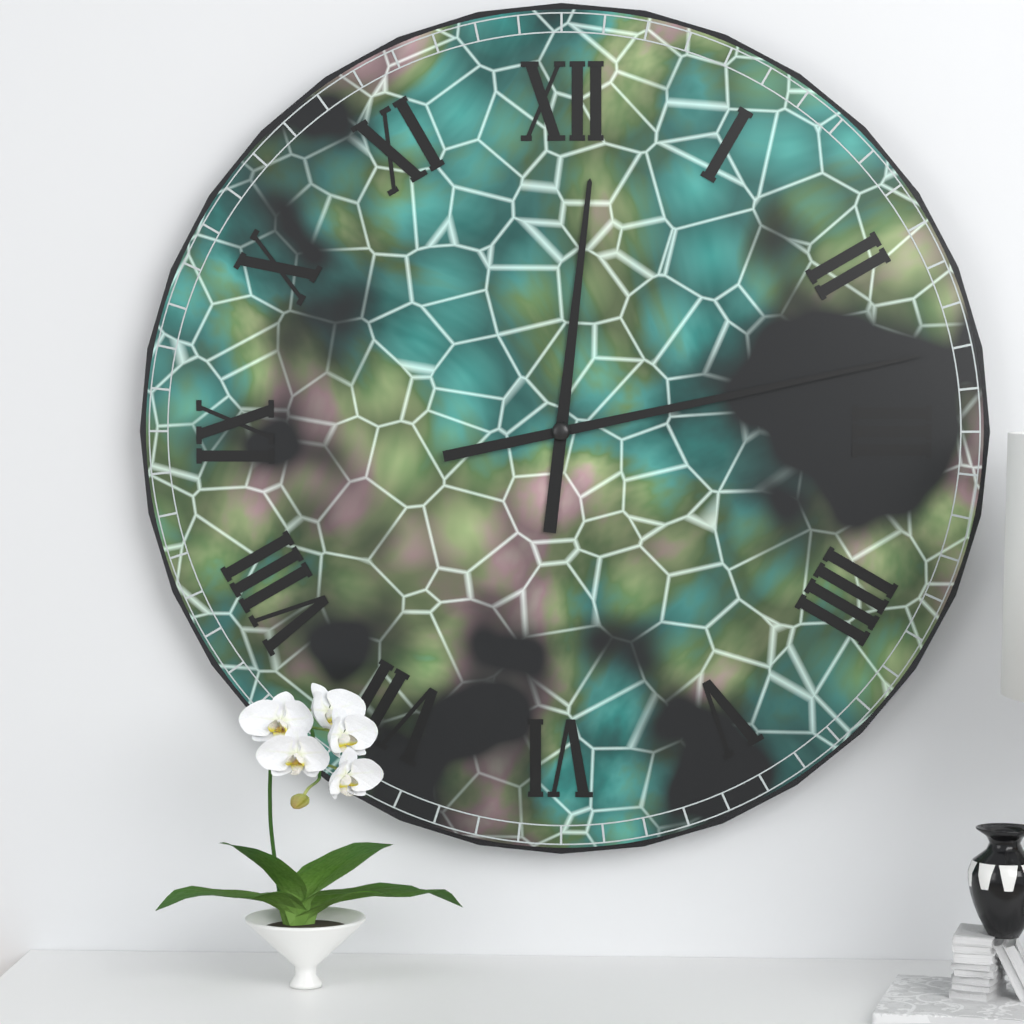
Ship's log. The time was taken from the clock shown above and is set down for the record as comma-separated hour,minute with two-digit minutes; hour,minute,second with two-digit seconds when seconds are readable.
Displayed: 12,13
